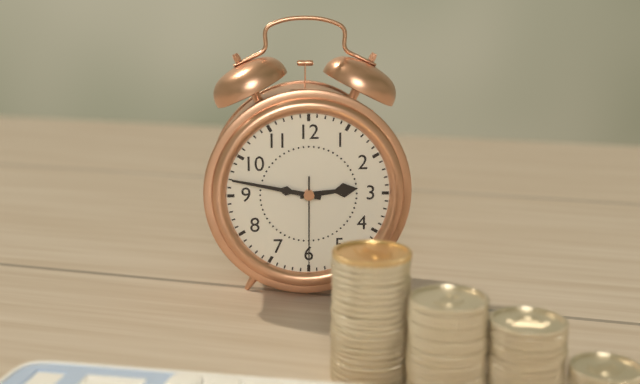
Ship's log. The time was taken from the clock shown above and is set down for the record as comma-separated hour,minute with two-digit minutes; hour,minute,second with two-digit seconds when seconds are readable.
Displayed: 2,47,30
